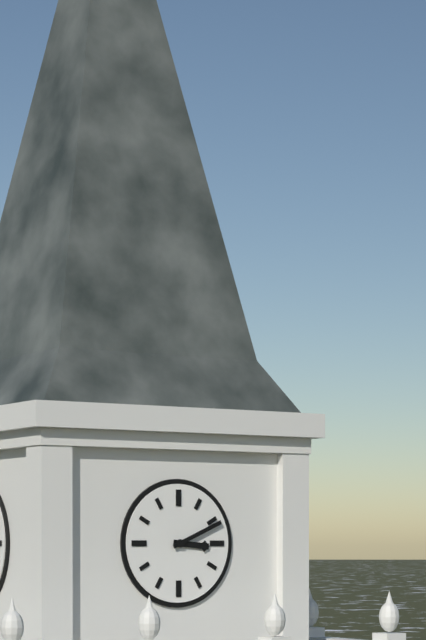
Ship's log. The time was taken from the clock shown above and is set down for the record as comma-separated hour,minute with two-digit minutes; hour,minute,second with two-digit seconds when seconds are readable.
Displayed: 3,11
